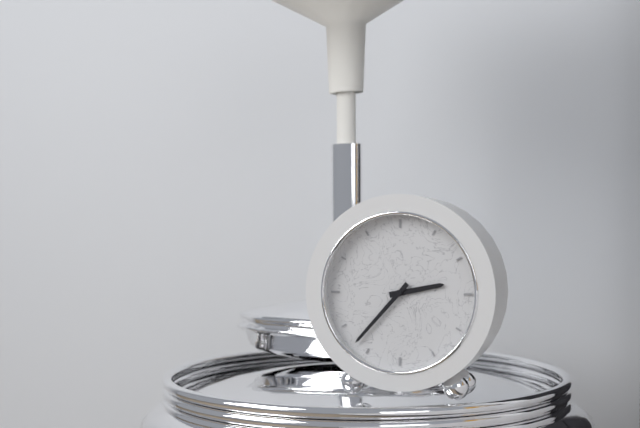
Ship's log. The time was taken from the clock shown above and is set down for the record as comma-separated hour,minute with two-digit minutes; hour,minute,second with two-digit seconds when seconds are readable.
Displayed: 2,37
